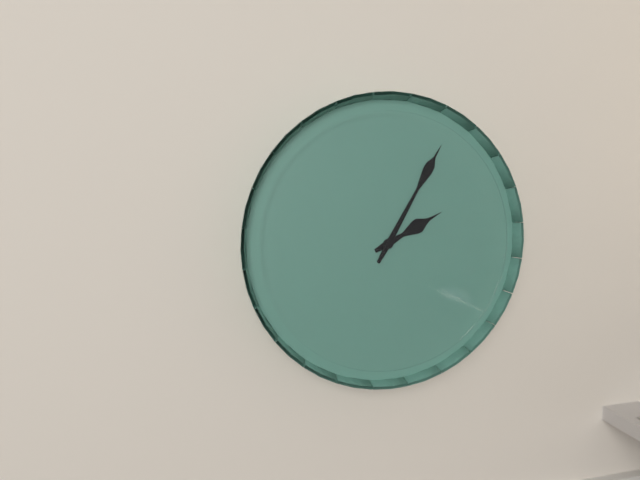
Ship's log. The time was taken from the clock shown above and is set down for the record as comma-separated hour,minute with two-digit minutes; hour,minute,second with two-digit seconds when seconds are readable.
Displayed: 2,05
